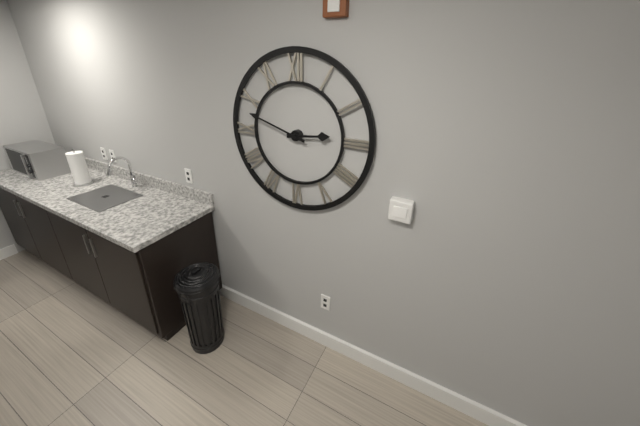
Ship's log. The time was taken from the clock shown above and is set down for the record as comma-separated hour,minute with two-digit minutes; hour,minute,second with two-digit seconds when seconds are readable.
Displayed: 2,48
